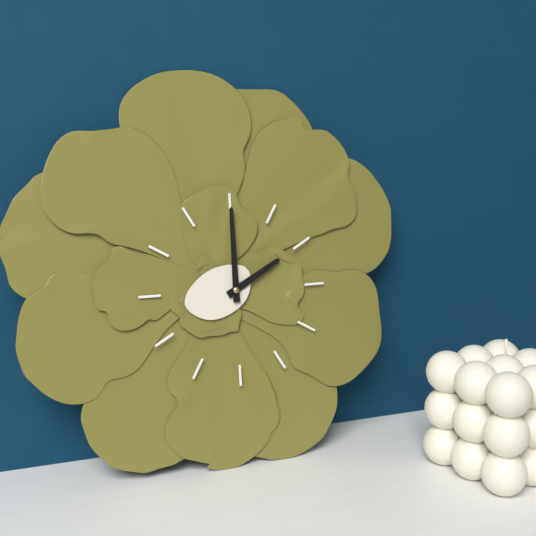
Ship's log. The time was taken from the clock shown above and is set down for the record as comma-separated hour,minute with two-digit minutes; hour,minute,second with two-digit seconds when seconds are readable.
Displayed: 2,00
